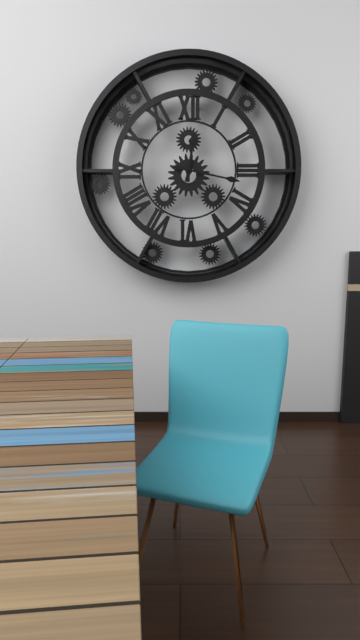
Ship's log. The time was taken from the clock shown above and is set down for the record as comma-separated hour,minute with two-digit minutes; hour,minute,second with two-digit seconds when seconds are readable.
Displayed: 12,17
